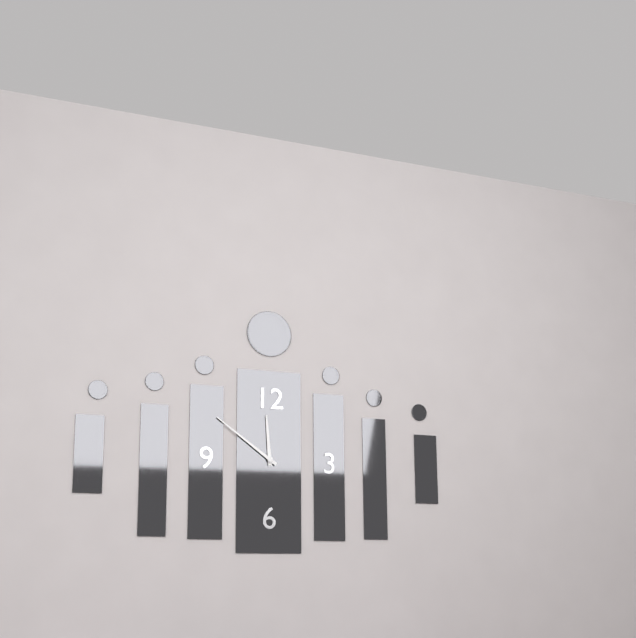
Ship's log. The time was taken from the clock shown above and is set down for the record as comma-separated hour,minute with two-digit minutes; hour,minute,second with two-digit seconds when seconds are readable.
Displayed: 11,51
